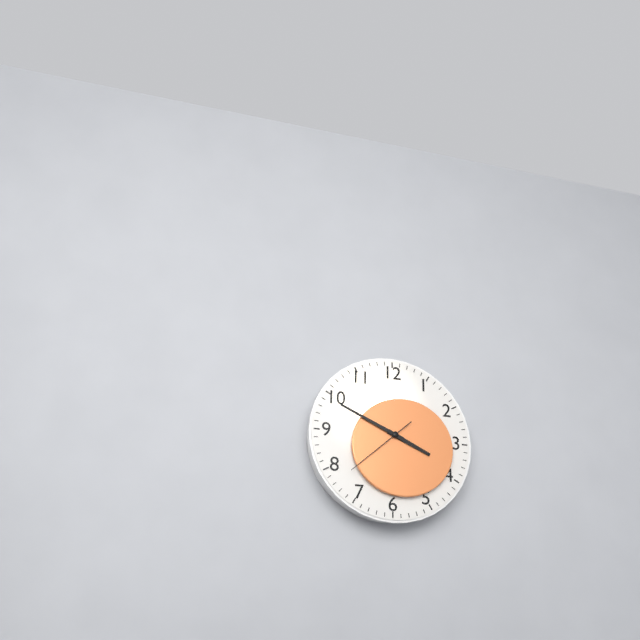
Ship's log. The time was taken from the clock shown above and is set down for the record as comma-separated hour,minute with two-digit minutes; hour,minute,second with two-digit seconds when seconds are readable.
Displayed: 3,49,38
